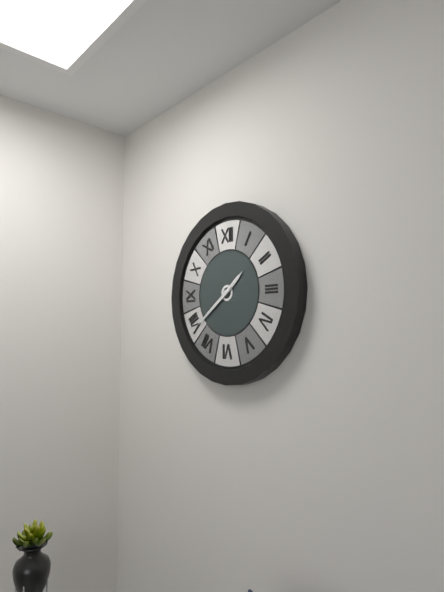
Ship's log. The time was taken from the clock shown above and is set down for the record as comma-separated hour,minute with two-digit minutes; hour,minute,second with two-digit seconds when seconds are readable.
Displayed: 1,39
